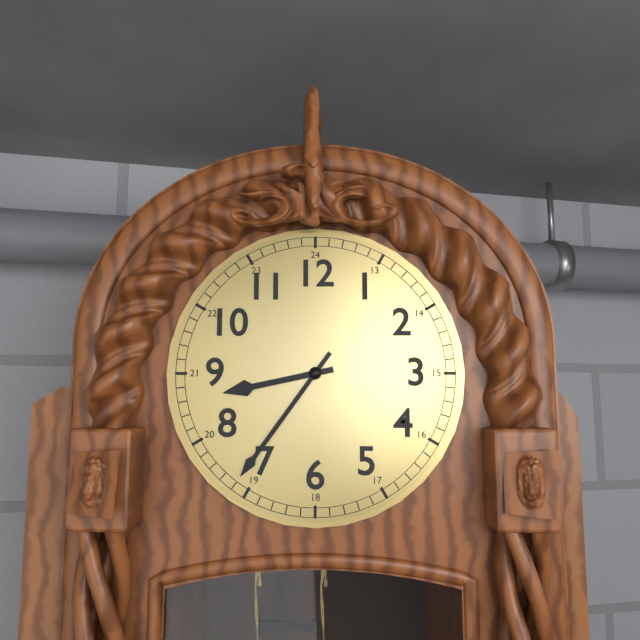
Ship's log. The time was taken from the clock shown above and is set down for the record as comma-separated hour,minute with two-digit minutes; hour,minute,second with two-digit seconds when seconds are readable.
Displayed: 8,36
